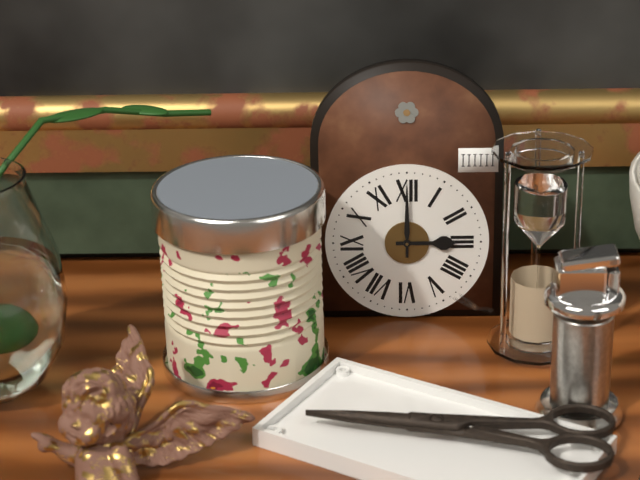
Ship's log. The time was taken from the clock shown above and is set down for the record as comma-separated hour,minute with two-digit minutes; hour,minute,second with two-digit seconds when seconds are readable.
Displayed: 3,00
